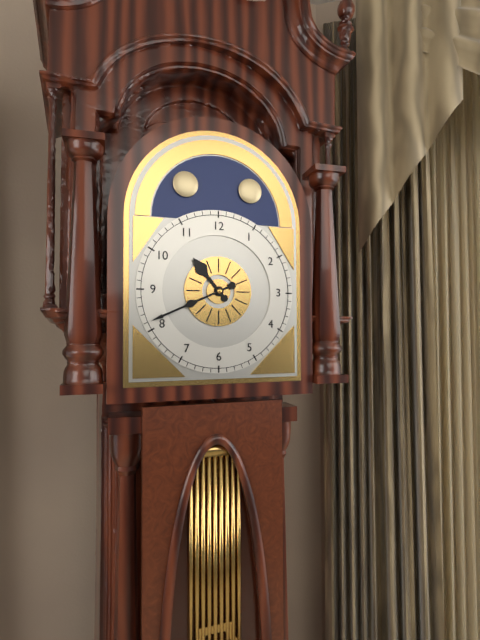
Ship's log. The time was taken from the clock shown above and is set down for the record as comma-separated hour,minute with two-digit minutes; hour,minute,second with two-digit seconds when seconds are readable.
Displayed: 10,41
